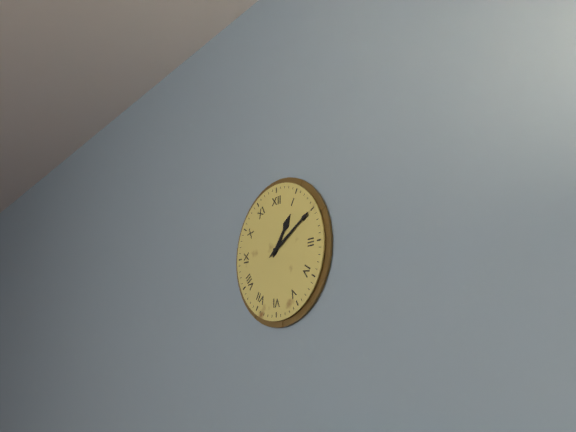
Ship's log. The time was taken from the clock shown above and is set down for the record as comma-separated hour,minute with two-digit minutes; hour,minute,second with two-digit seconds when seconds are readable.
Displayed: 1,10
